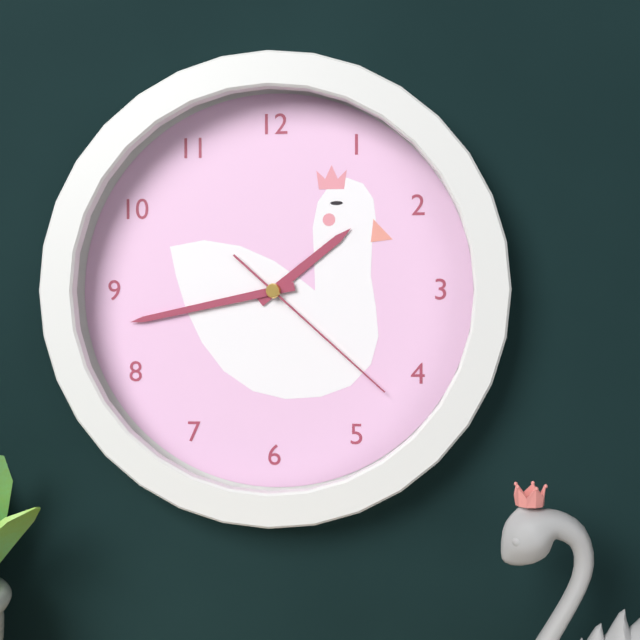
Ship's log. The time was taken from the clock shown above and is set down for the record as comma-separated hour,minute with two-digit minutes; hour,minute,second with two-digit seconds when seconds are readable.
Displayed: 1,43,22
